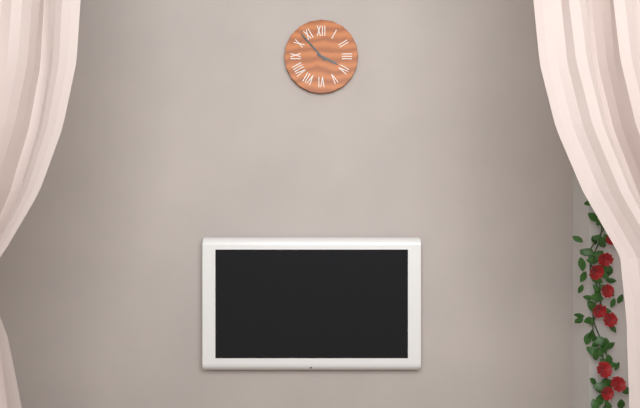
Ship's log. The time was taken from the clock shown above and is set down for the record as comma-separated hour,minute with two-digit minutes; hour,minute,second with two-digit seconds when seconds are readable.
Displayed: 3,53
